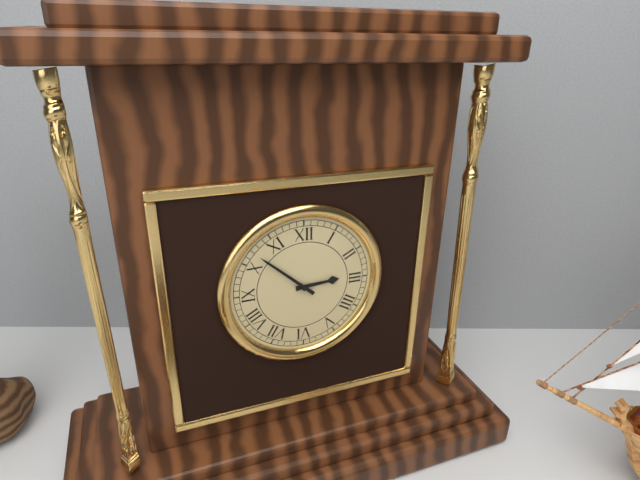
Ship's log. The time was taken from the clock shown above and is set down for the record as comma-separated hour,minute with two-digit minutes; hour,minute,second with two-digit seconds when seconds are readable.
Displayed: 2,52
